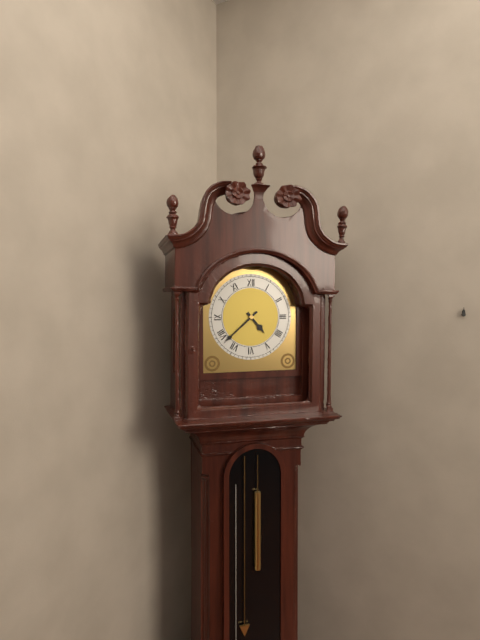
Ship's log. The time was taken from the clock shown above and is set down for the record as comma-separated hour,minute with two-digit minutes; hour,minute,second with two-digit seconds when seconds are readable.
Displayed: 4,38
